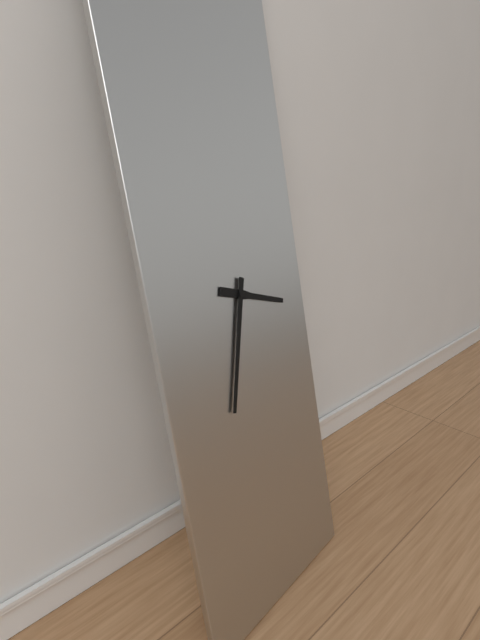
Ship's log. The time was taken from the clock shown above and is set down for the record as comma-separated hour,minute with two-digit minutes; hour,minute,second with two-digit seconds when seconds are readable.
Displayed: 3,33
